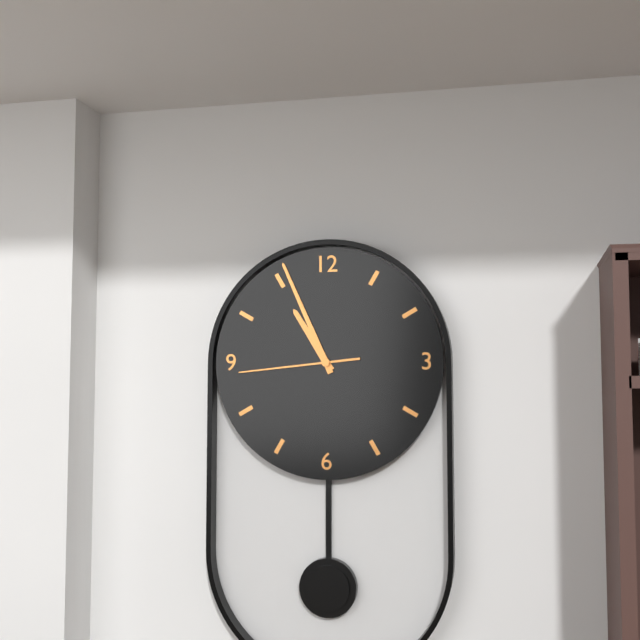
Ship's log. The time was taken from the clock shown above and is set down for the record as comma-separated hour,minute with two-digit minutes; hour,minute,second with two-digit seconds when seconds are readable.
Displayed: 10,56,44
